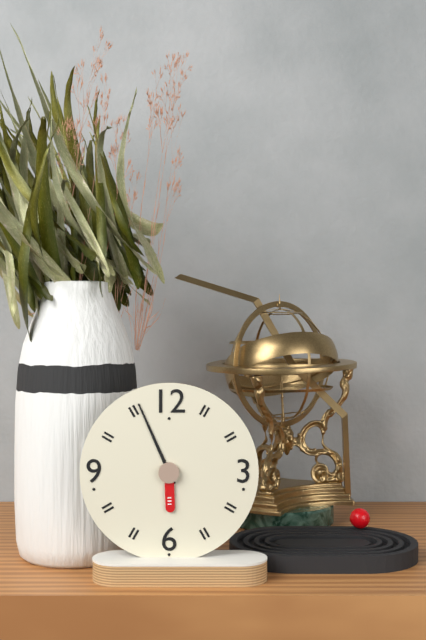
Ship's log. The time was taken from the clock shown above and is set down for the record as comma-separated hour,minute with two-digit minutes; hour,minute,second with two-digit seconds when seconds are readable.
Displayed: 5,56
